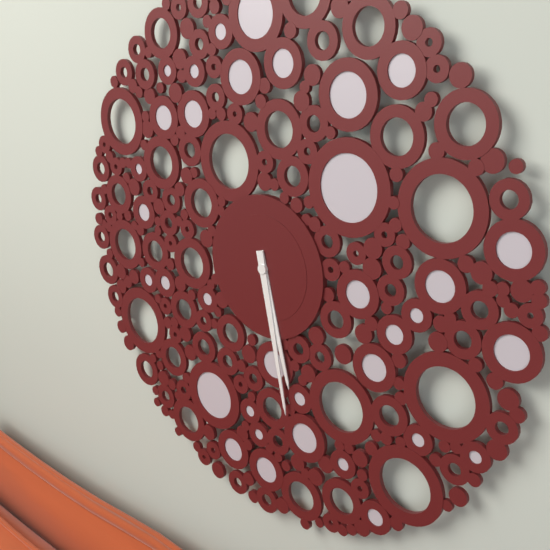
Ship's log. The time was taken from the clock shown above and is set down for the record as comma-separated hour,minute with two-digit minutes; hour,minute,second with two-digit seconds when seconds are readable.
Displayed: 5,28
